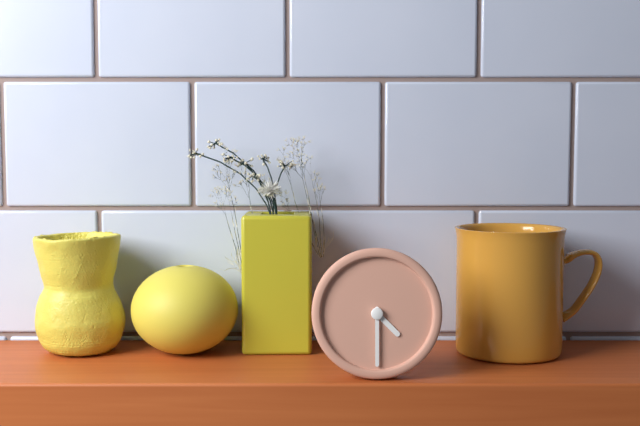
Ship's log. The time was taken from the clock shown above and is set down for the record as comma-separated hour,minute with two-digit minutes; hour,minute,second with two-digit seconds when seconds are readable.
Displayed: 4,30
